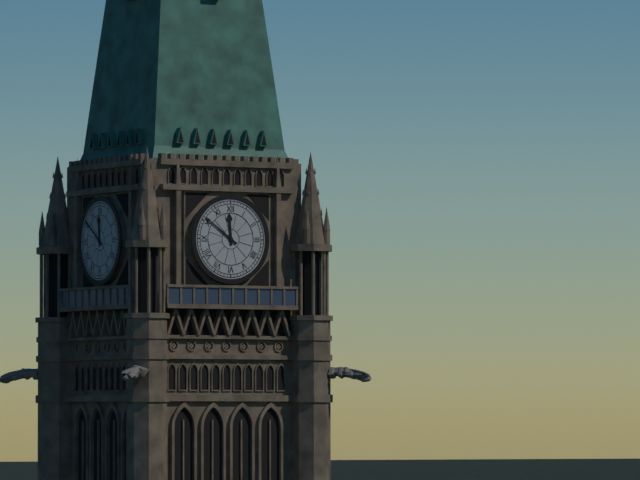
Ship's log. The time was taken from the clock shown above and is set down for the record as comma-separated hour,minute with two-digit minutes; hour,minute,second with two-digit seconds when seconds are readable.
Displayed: 11,51
